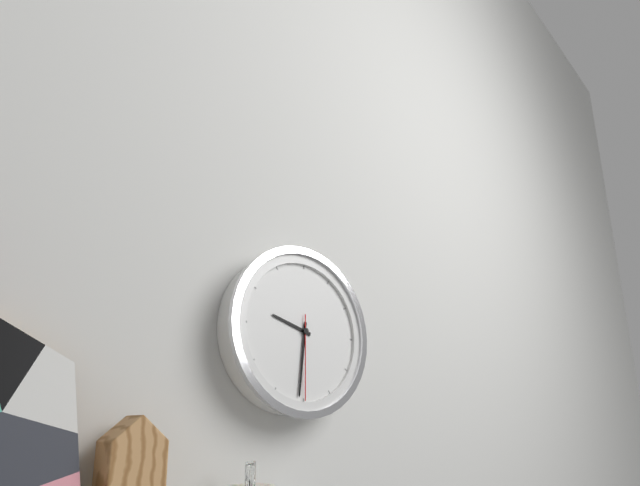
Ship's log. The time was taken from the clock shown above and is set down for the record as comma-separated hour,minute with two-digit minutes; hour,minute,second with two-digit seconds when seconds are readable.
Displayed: 9,31,30
